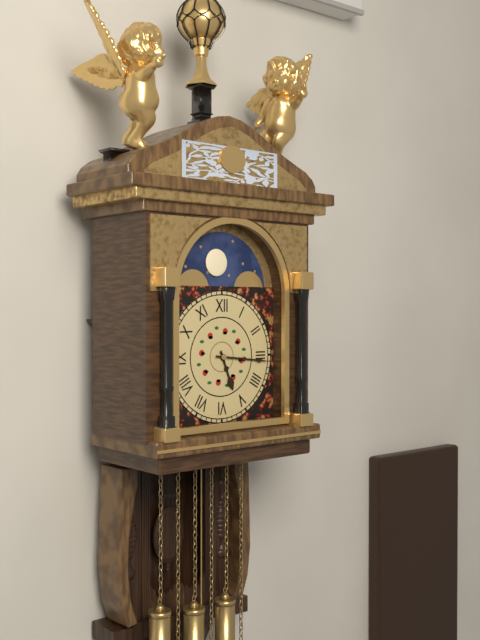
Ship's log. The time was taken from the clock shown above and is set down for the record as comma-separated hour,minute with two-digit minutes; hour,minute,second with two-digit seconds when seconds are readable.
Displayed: 5,16
